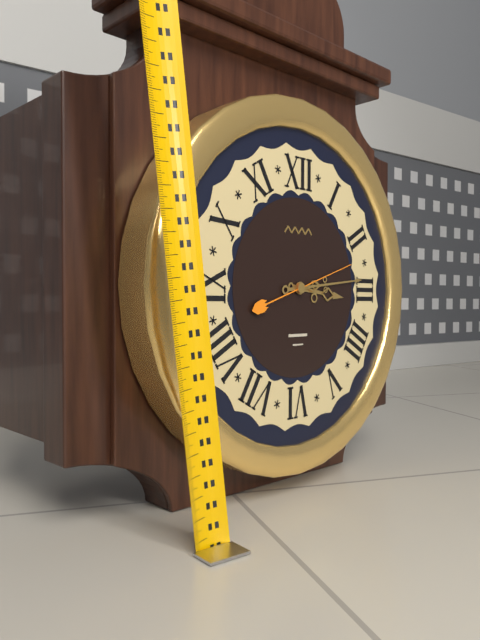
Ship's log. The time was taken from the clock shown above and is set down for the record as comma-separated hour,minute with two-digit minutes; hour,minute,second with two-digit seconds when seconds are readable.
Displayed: 3,14,12
